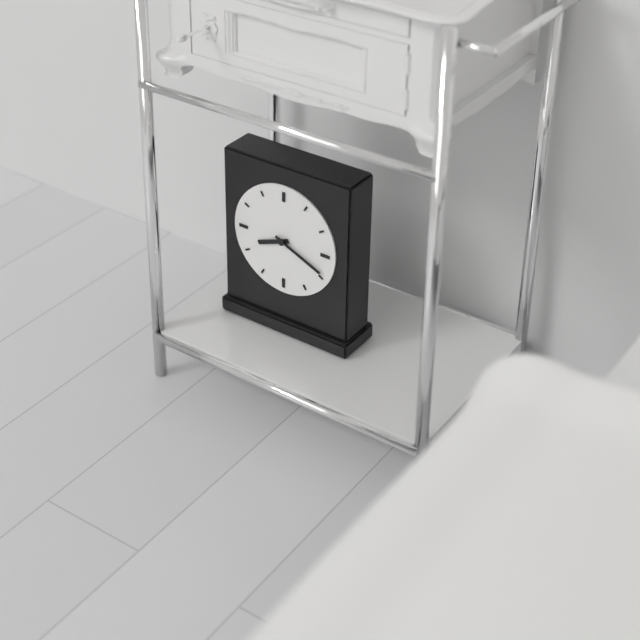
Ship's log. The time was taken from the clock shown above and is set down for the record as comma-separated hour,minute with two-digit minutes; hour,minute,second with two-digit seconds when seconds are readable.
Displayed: 8,19
